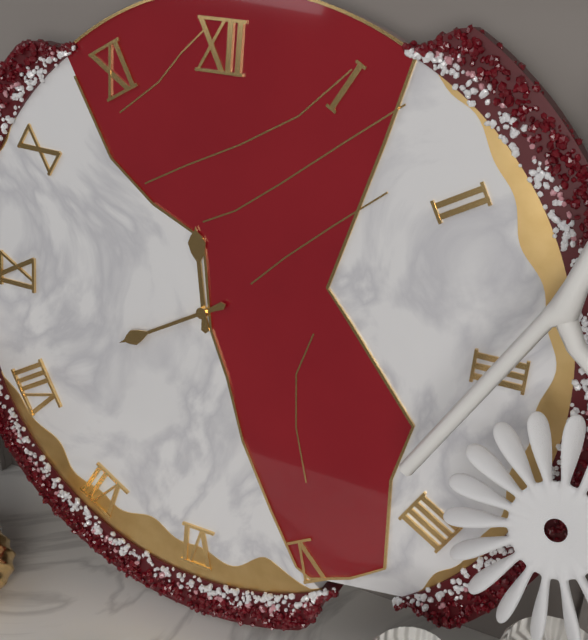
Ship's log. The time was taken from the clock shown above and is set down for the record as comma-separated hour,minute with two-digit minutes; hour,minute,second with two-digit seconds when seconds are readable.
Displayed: 11,40
